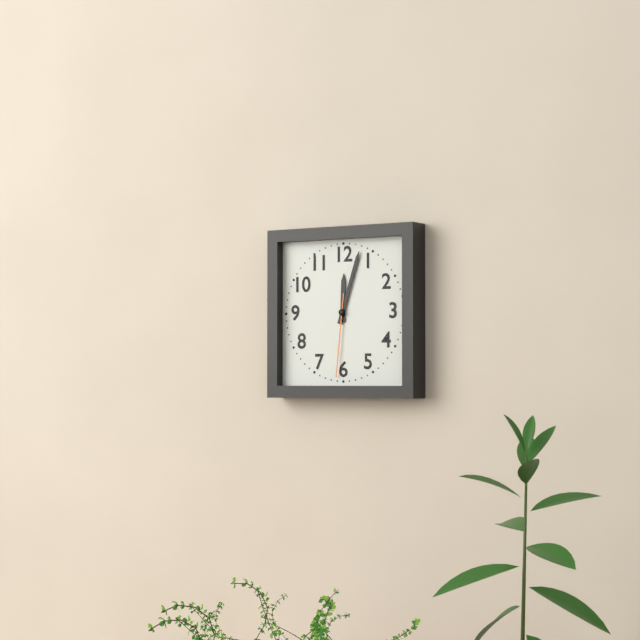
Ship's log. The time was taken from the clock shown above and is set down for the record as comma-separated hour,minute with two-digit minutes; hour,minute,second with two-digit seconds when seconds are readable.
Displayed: 12,03,31
